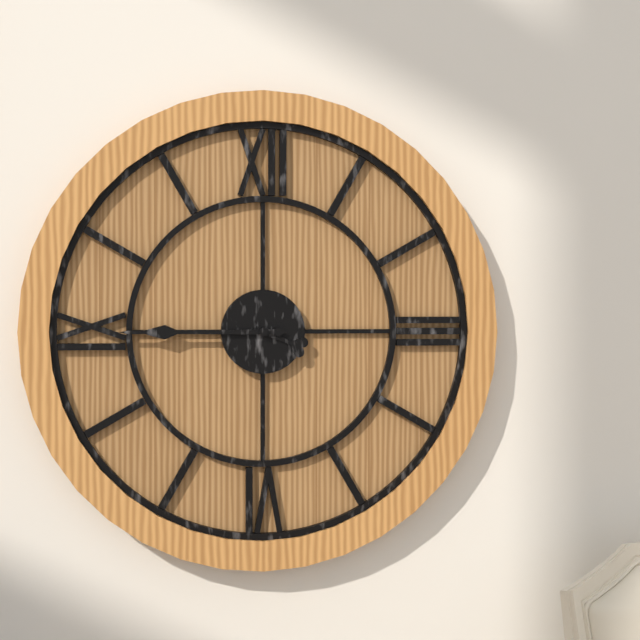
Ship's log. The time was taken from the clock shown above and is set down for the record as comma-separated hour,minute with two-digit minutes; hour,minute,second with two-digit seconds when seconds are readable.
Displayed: 3,45
